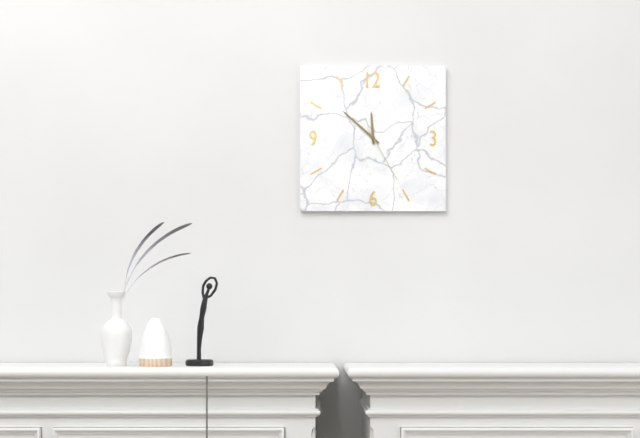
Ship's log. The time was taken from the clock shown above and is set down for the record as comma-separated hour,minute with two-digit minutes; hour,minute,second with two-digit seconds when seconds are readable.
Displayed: 11,52,25
